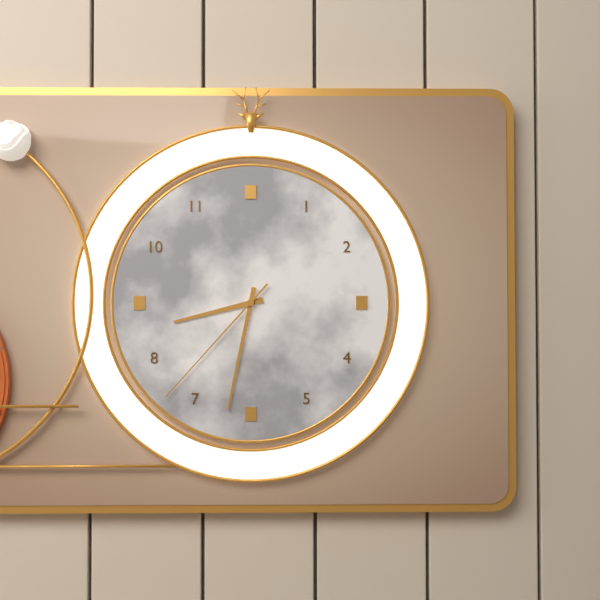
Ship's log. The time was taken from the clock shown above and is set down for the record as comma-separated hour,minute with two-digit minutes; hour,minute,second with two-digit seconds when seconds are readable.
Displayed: 8,32,37
